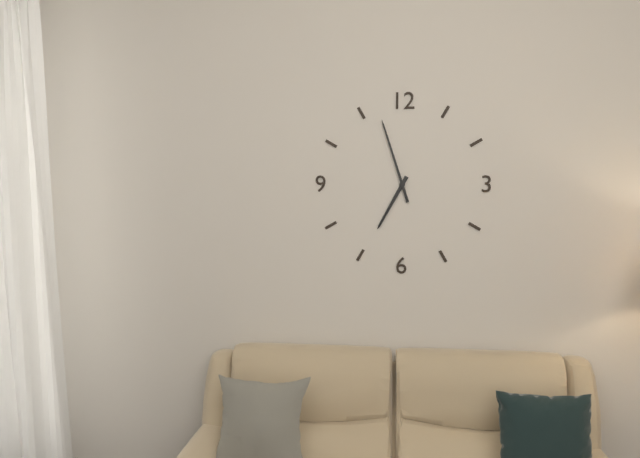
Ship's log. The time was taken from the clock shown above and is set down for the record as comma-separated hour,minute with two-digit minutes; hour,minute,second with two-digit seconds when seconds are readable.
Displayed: 6,57
